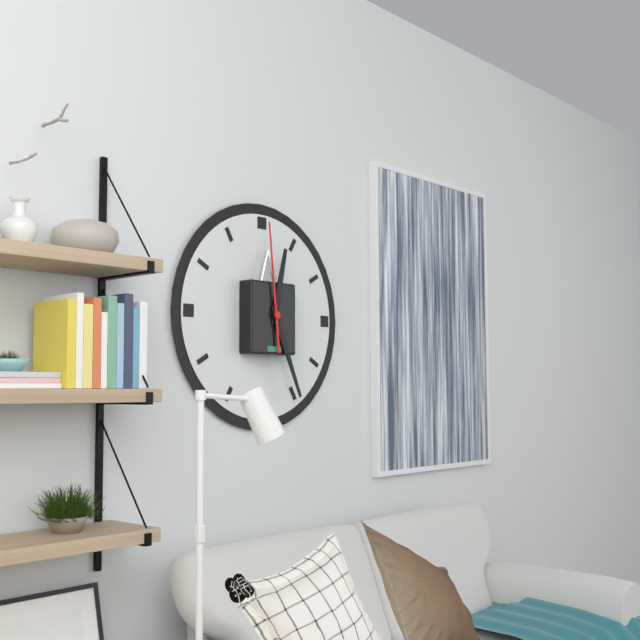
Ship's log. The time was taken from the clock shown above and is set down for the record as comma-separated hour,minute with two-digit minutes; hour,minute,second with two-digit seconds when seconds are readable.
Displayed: 12,26,59
